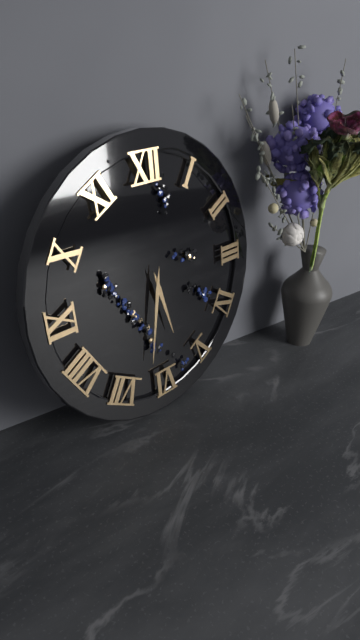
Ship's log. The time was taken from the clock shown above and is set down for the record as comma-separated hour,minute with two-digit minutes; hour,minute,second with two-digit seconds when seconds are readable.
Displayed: 5,32
